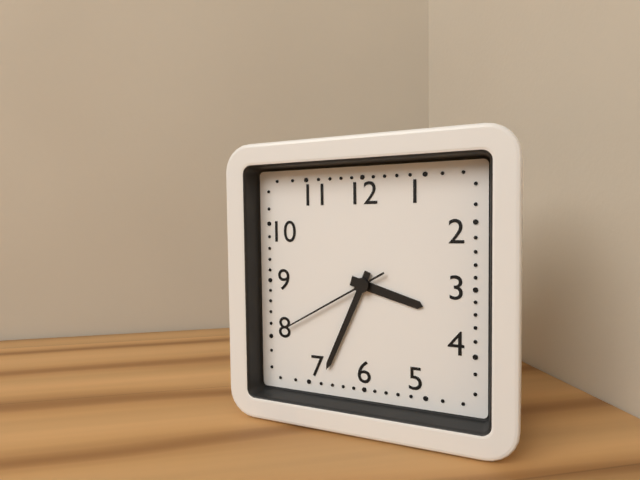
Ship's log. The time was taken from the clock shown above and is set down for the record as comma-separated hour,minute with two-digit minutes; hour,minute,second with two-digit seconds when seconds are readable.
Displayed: 3,34,40
